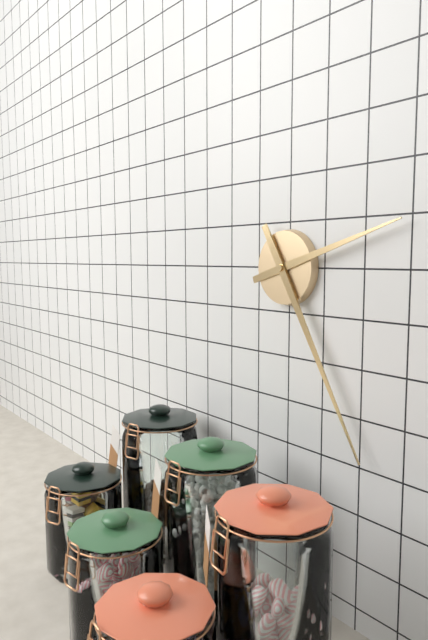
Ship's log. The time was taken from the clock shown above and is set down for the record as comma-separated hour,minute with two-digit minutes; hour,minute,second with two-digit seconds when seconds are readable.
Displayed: 2,25
